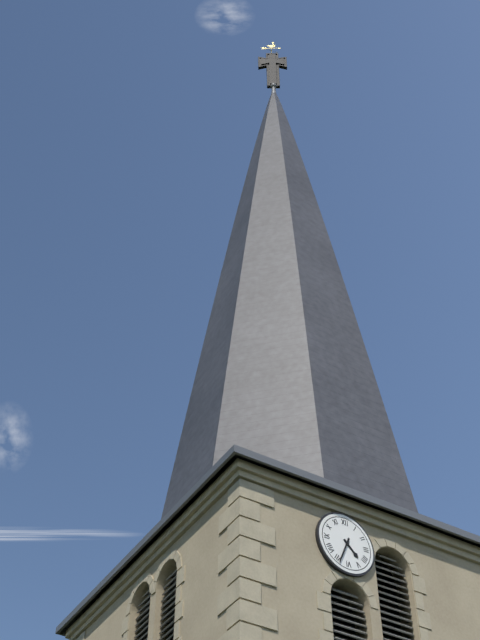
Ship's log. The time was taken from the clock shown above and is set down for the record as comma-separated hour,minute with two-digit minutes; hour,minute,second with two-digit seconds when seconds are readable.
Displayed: 4,34
